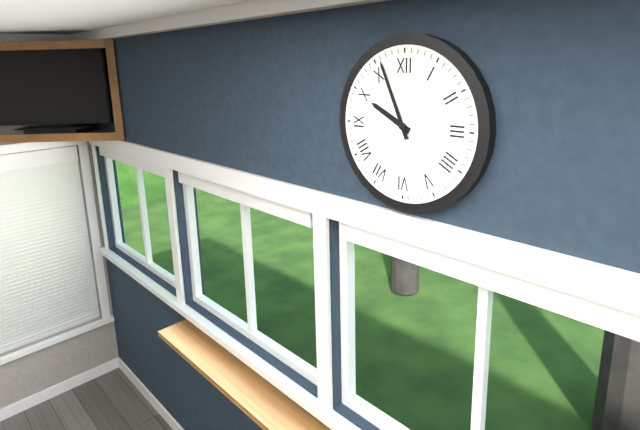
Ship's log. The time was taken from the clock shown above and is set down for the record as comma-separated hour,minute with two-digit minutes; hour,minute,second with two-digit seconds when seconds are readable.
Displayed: 9,56
